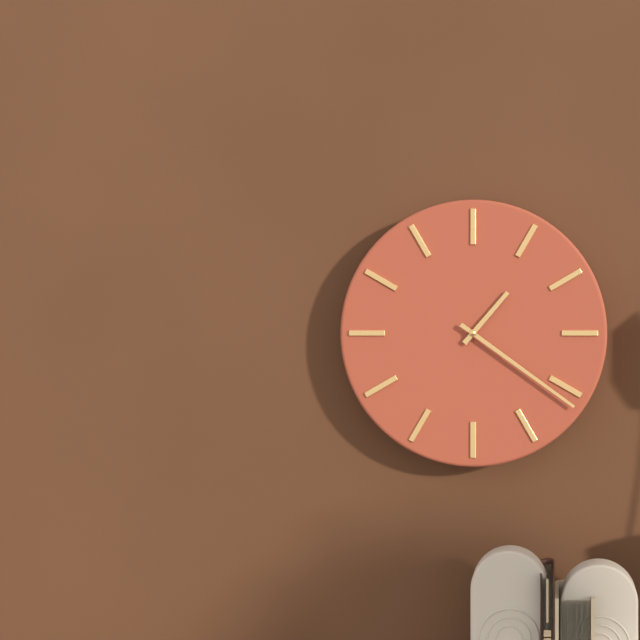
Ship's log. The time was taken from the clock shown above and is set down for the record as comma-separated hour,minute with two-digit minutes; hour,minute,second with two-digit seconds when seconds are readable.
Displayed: 1,21
